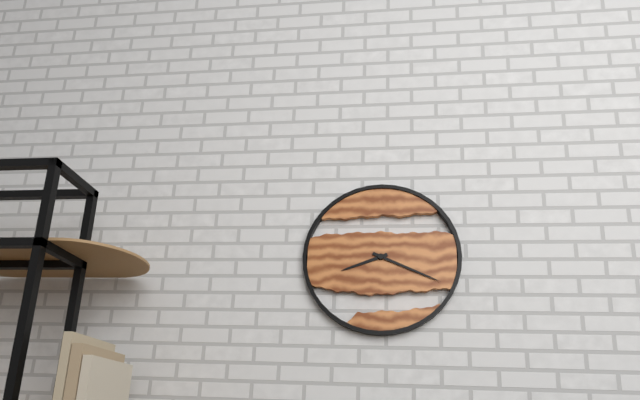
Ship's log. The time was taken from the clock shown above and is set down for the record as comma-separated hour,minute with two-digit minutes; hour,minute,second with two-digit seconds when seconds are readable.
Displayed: 8,19
